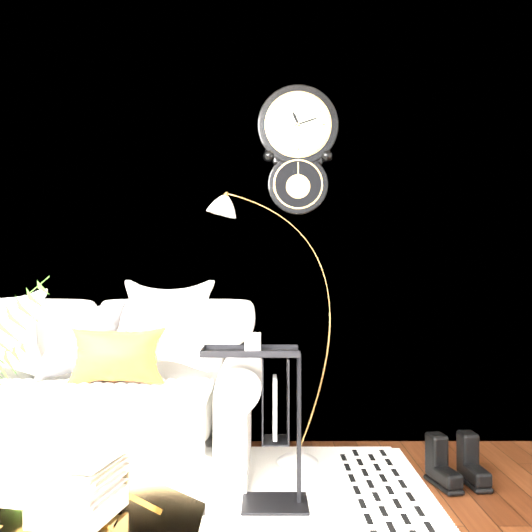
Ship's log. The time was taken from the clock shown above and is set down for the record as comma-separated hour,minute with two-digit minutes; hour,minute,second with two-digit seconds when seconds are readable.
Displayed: 11,12
